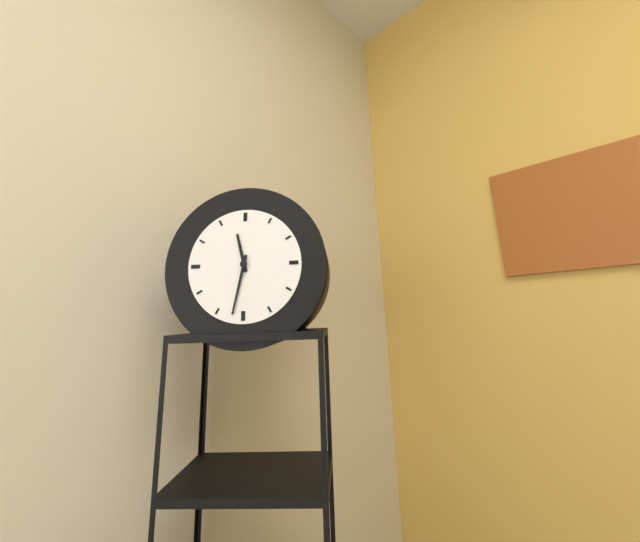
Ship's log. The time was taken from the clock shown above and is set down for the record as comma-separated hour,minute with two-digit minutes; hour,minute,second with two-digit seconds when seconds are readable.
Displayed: 11,32
